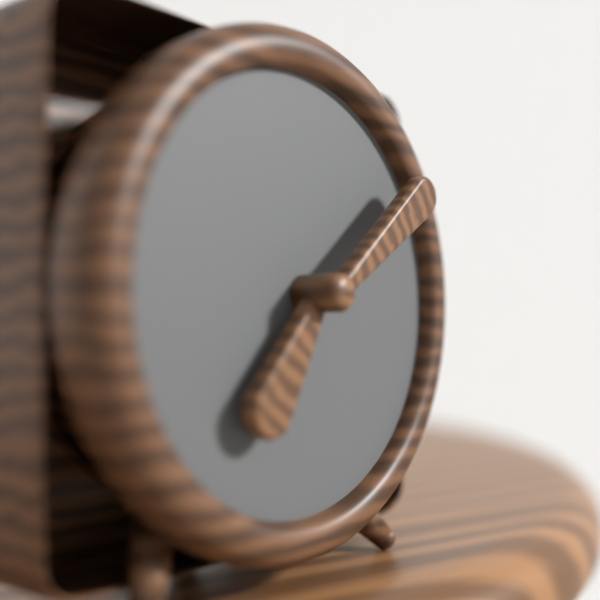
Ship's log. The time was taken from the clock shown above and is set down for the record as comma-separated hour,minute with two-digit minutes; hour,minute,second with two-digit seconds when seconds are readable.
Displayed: 7,09
